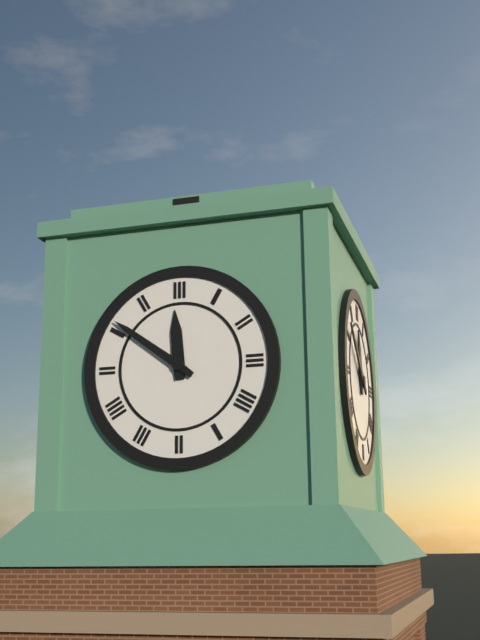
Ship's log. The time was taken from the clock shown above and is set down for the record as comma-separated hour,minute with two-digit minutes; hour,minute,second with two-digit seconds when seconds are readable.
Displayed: 11,51
